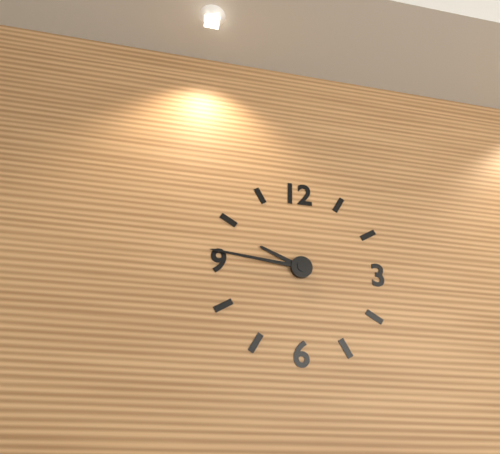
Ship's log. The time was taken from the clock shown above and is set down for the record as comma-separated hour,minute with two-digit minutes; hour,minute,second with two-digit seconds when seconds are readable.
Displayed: 9,46
